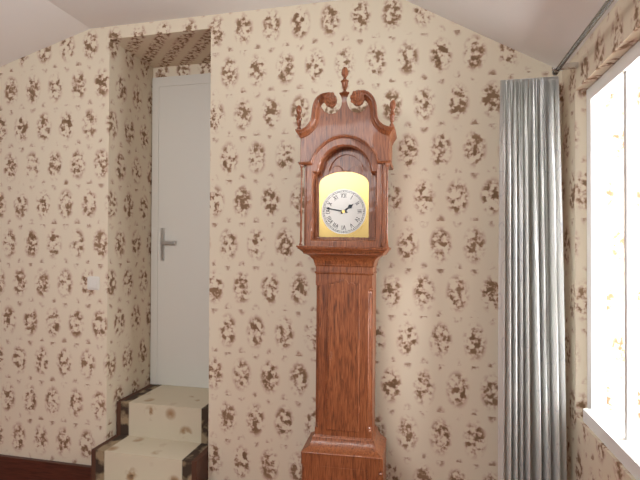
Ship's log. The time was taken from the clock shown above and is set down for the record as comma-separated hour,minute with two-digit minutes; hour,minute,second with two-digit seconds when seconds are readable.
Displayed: 1,47
